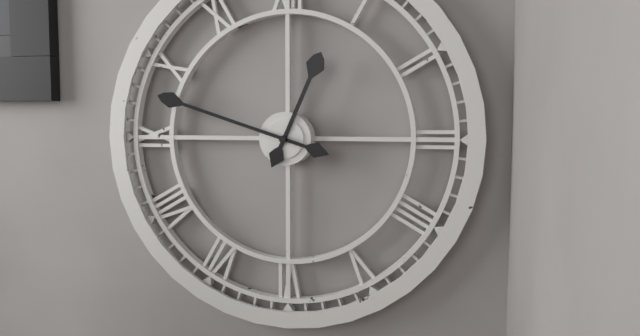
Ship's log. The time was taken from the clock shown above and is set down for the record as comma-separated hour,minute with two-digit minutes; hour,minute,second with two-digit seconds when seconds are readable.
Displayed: 12,48
